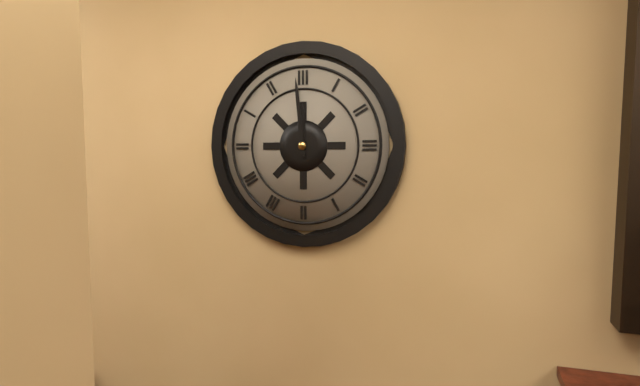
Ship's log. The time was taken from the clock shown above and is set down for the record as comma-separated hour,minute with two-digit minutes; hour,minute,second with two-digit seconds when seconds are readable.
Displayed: 11,59
